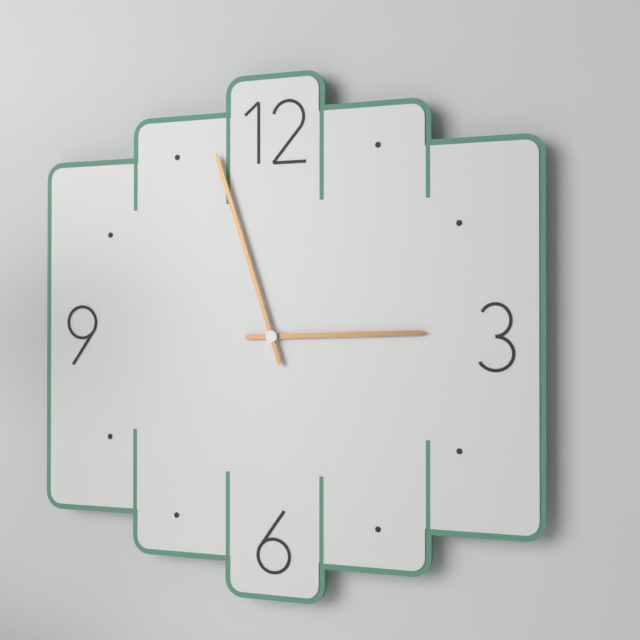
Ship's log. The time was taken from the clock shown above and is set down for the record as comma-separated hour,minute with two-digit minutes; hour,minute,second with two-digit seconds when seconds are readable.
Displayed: 2,57
